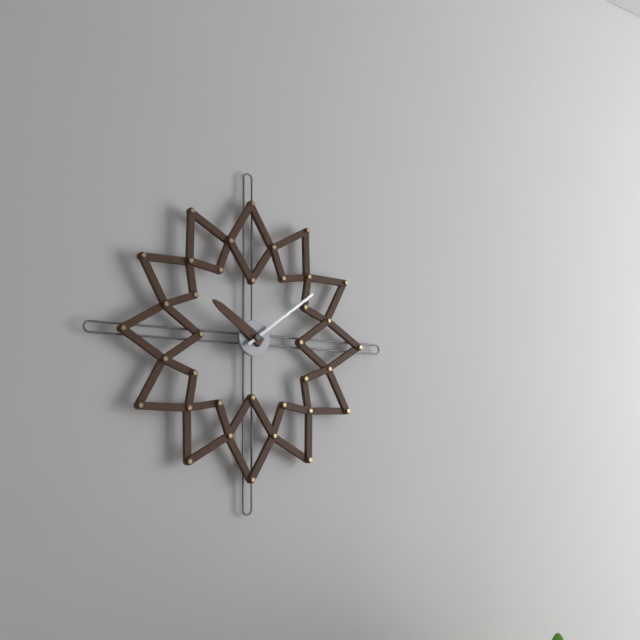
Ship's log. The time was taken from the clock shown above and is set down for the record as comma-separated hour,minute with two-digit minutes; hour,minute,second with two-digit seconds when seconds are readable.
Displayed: 10,09
